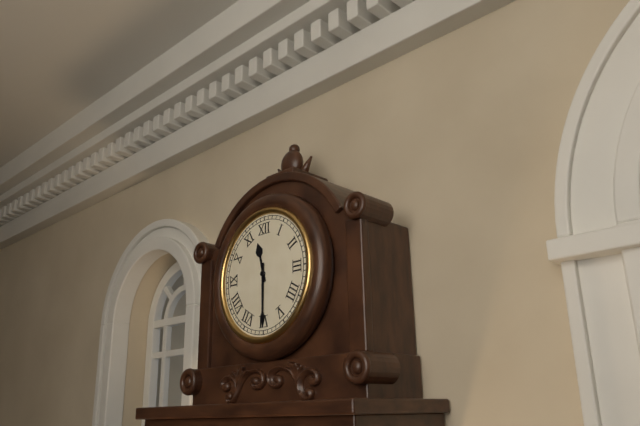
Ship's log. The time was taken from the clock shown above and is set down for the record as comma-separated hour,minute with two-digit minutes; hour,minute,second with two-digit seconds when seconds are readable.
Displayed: 11,30
